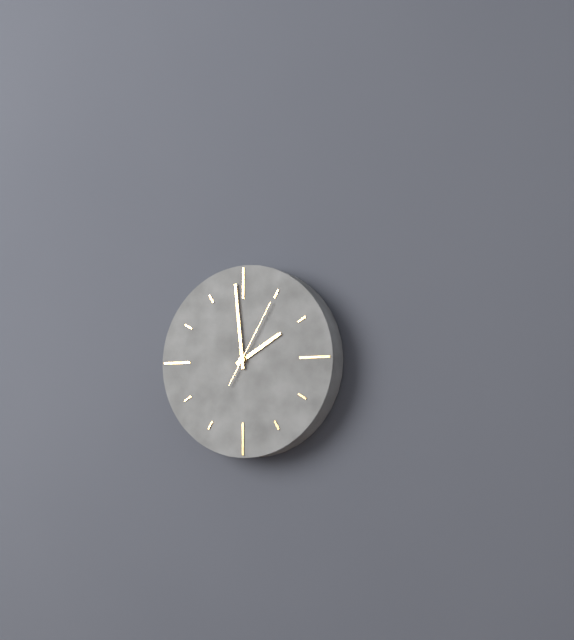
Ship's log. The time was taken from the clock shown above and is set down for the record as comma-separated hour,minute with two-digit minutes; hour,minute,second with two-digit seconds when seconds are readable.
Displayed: 1,59,05
